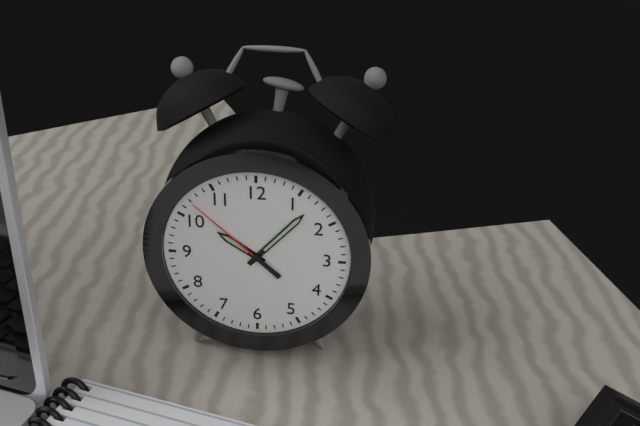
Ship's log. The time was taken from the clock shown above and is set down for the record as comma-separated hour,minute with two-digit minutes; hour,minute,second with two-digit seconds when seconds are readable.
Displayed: 10,07,52
